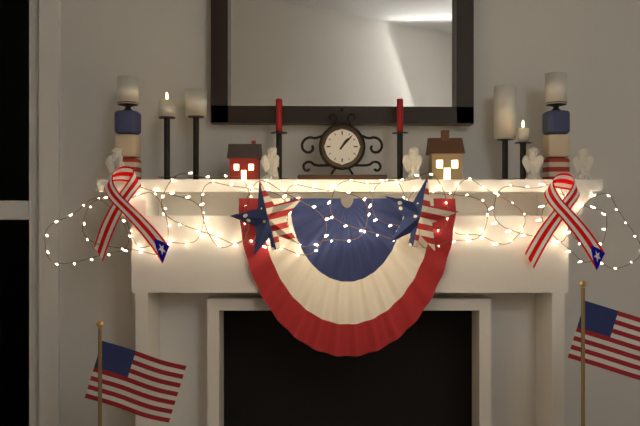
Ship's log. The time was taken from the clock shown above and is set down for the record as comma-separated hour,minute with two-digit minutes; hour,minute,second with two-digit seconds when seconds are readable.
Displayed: 1,07
